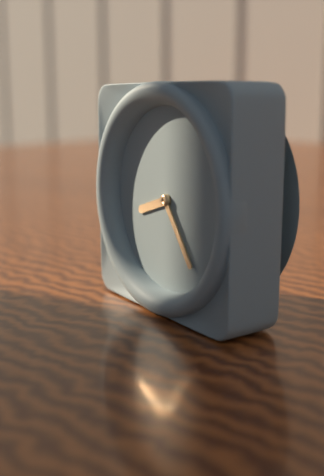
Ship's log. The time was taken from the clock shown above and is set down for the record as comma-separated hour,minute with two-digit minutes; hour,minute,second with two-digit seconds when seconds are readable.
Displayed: 8,24
